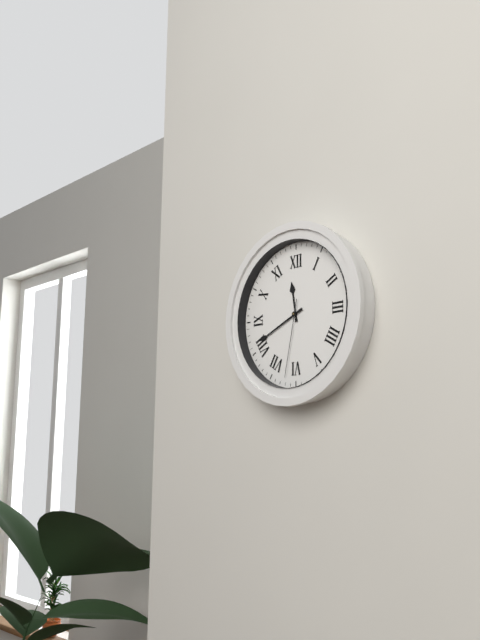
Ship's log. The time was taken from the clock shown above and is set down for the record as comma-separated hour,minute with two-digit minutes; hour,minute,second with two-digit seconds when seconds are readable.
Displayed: 11,41,32
